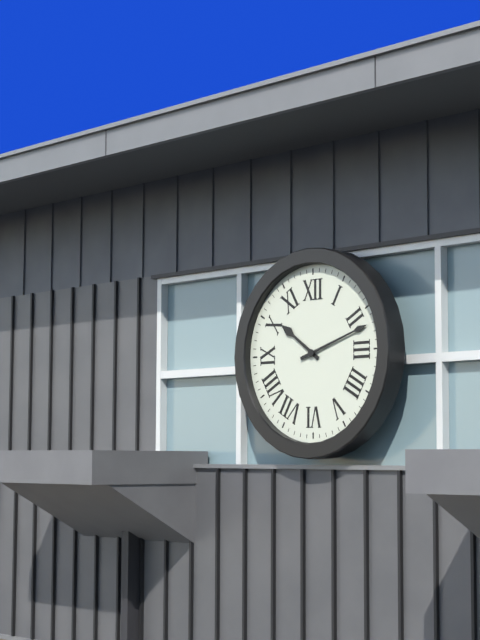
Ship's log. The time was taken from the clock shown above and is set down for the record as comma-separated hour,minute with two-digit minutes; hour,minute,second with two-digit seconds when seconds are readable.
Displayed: 10,12
